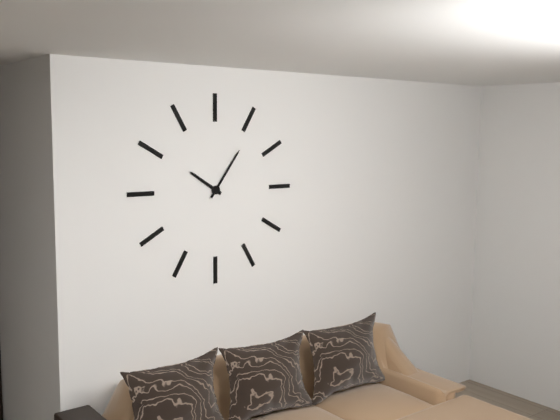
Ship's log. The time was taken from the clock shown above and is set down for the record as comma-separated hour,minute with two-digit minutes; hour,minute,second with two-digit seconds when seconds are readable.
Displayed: 10,06
